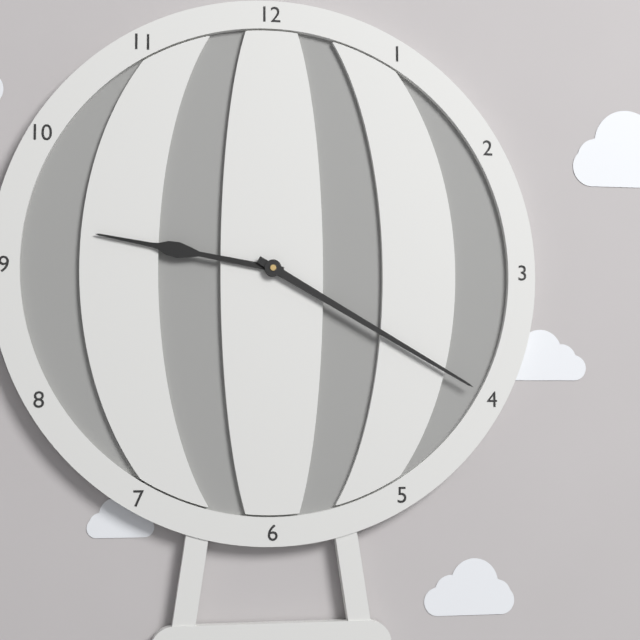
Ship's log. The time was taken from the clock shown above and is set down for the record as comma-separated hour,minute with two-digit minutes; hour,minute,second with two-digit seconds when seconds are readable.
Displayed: 9,20
